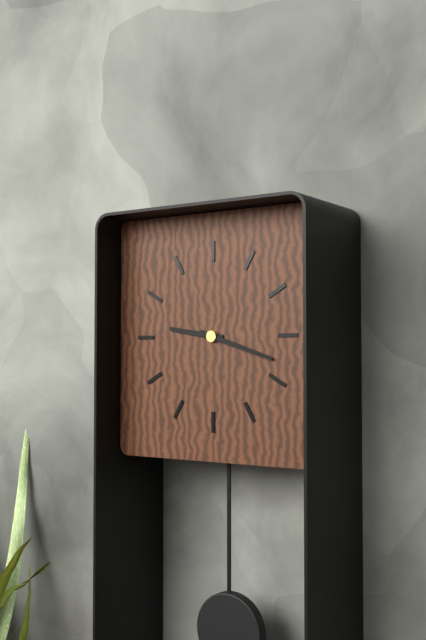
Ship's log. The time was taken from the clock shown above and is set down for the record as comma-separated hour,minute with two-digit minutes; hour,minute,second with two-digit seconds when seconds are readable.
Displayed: 9,18
